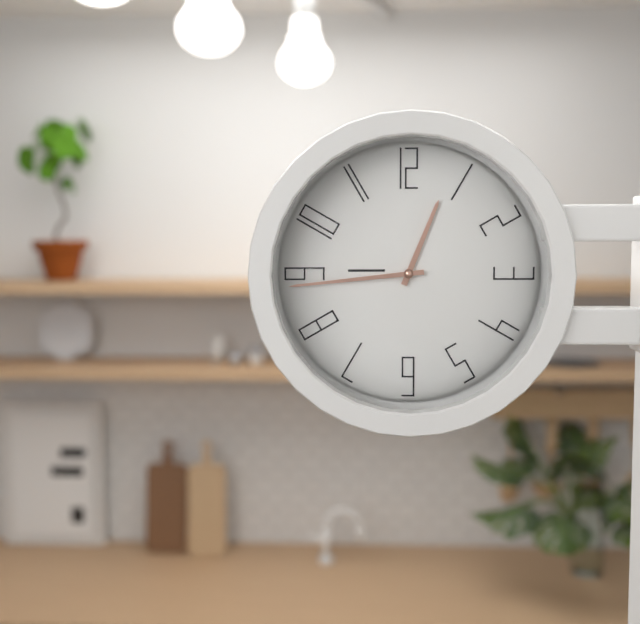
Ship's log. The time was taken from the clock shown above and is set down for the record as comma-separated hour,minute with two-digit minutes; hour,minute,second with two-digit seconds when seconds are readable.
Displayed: 12,44
